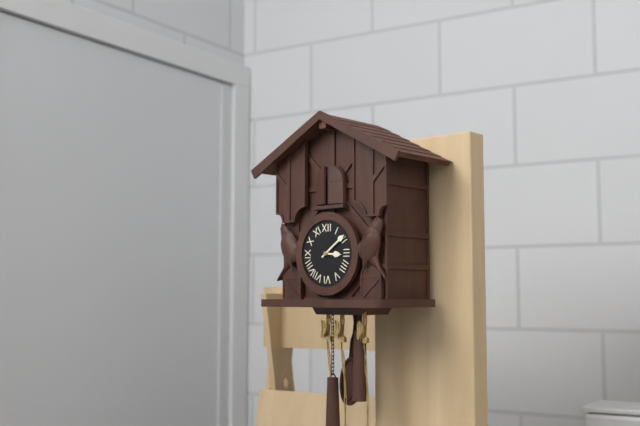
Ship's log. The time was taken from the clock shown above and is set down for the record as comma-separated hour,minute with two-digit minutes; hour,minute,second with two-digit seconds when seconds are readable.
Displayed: 3,09
